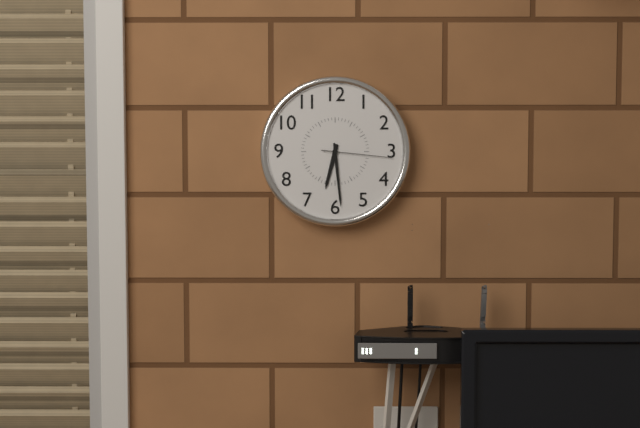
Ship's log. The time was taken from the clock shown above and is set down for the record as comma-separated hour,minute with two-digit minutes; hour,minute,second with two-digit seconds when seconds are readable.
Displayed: 6,29,16
